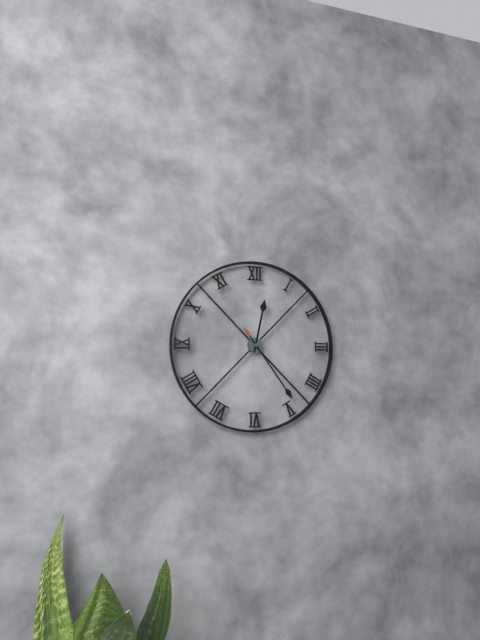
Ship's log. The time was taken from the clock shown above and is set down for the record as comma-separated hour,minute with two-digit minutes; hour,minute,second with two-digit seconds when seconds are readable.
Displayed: 12,24
